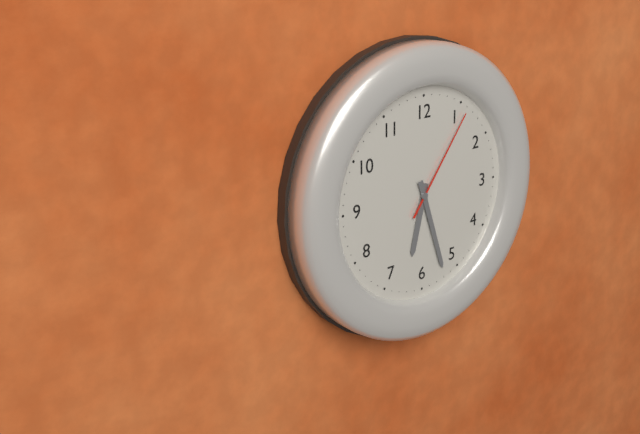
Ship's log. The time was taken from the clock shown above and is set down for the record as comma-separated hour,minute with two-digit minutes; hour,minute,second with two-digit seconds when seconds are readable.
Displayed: 6,27,06
